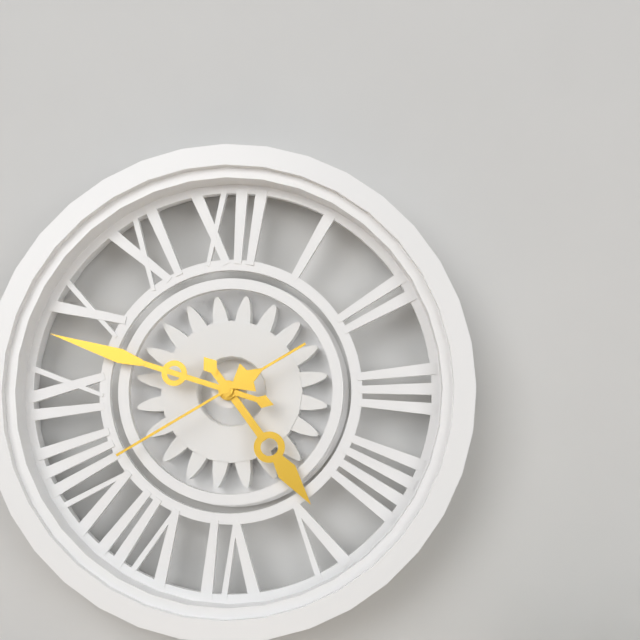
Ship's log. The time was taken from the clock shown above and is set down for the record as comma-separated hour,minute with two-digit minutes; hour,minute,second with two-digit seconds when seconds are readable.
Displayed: 4,48,40
